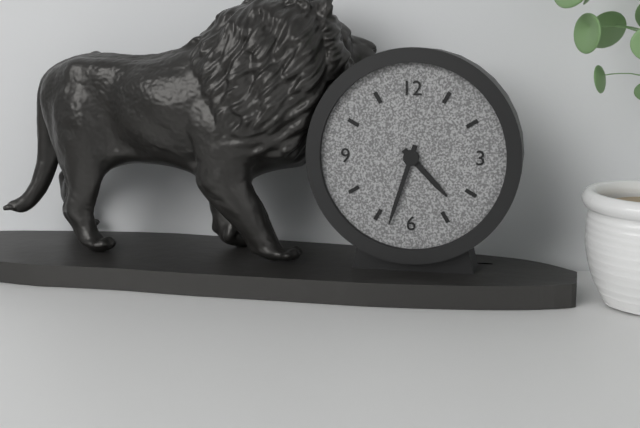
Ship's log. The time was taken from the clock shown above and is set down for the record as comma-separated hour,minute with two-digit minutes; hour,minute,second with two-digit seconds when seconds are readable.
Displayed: 4,33
